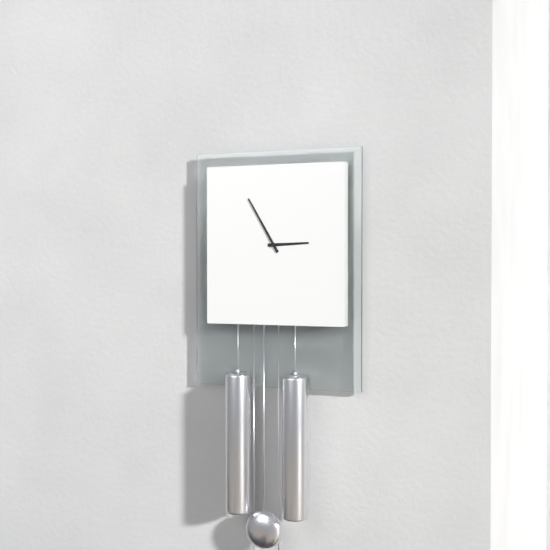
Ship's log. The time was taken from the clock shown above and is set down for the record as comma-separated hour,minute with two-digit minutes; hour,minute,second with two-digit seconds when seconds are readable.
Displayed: 2,55
